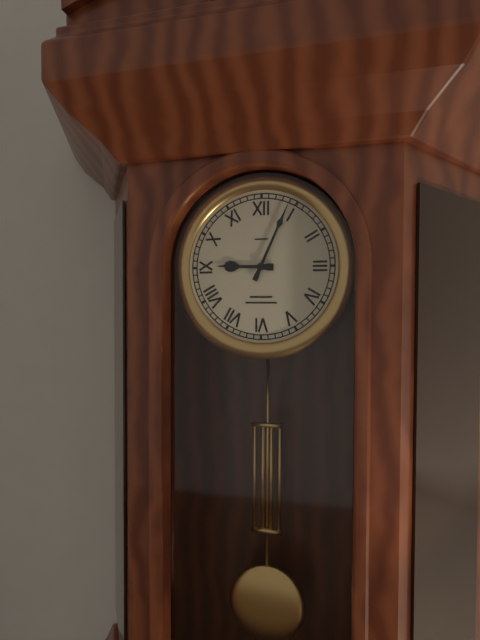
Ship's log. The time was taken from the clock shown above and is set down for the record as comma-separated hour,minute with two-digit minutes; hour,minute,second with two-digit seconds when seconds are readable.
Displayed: 9,04
